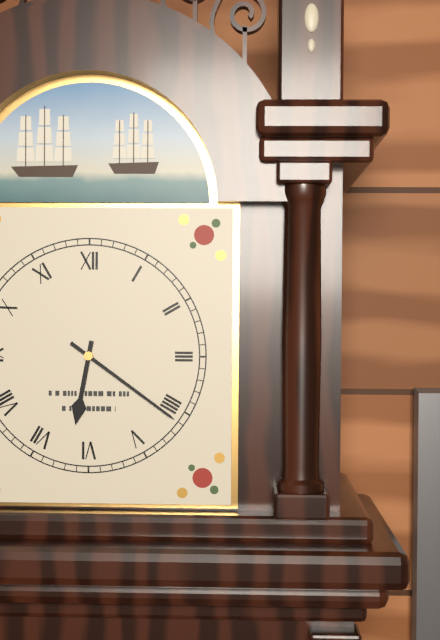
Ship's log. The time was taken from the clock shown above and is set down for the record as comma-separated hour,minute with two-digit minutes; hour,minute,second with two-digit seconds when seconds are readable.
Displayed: 6,21
